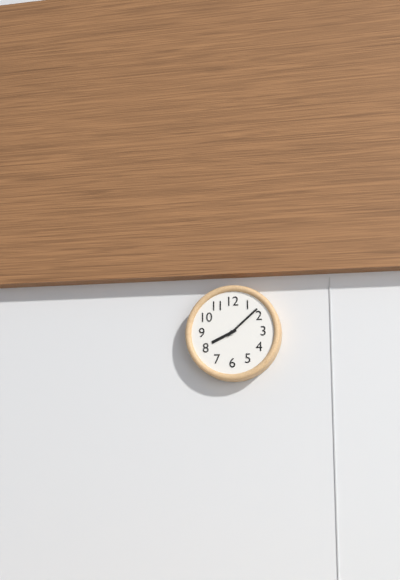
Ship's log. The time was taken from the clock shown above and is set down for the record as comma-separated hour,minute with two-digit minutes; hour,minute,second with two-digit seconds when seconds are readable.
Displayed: 8,08
